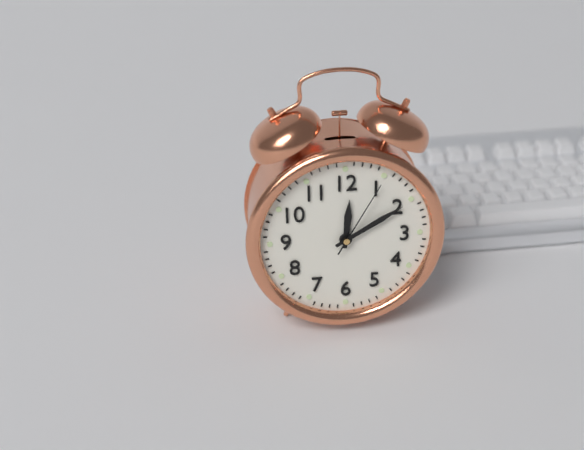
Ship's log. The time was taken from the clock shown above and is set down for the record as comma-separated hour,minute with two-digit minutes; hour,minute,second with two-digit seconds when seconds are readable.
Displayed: 12,10,05
